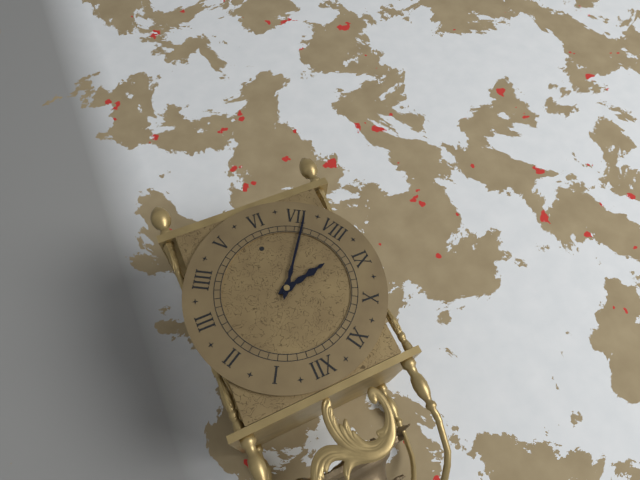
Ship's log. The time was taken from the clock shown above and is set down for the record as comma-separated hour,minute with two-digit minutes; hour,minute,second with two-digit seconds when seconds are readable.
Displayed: 8,36
